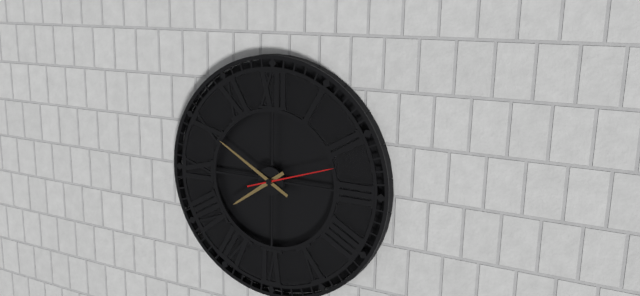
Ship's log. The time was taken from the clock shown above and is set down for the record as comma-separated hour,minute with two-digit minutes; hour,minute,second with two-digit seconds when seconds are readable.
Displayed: 7,50,12
